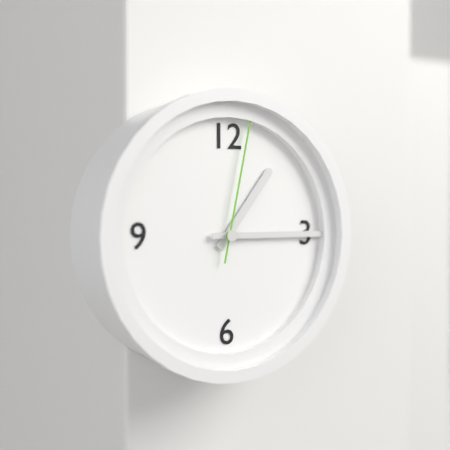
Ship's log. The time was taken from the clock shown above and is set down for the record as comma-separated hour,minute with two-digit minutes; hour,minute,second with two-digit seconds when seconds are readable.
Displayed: 1,15,02
